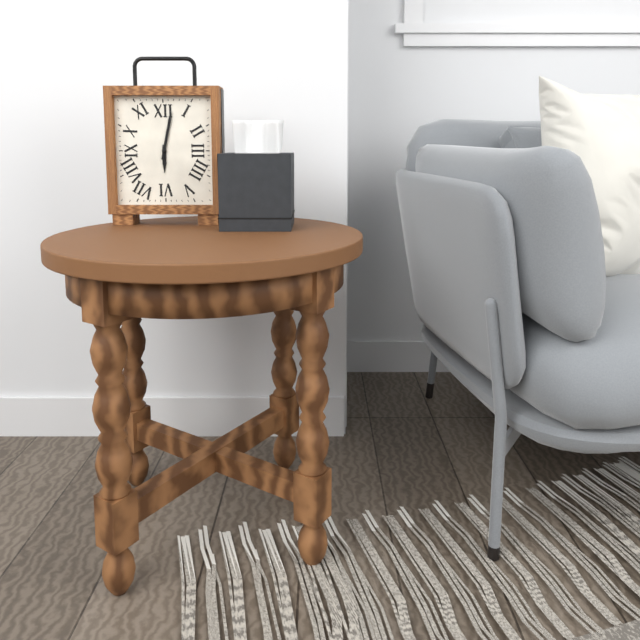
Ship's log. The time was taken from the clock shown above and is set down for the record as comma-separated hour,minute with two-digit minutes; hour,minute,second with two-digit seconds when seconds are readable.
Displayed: 6,02
